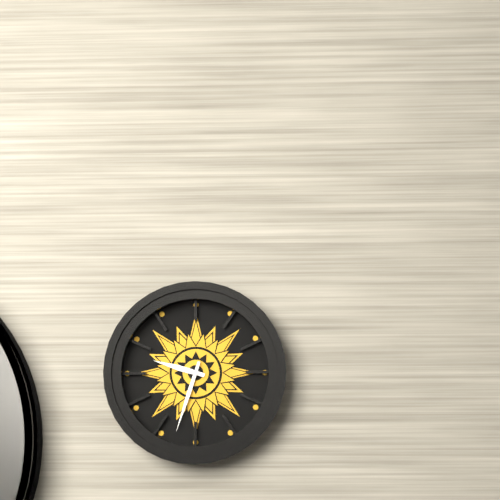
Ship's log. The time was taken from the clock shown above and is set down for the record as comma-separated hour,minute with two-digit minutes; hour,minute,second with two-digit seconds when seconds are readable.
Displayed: 9,33
